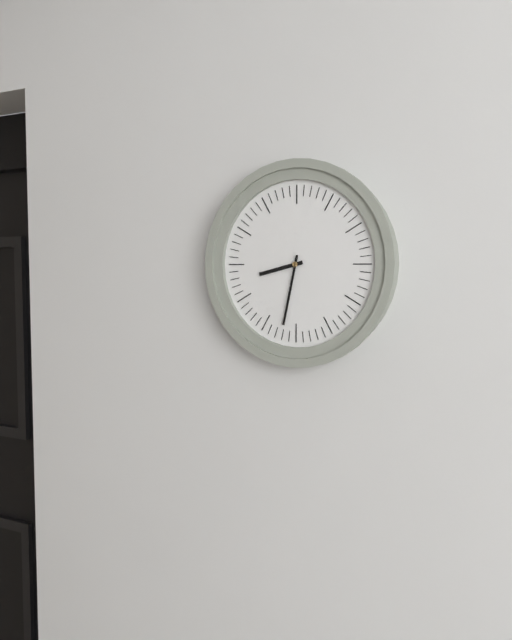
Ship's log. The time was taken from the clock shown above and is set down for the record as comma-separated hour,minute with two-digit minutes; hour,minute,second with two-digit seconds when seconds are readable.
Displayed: 8,32
